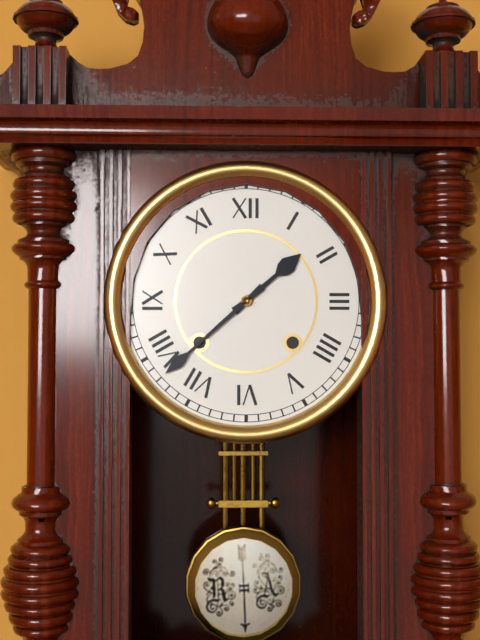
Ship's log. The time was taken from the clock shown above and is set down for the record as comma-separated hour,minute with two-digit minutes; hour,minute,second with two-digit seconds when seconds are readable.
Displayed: 1,38
